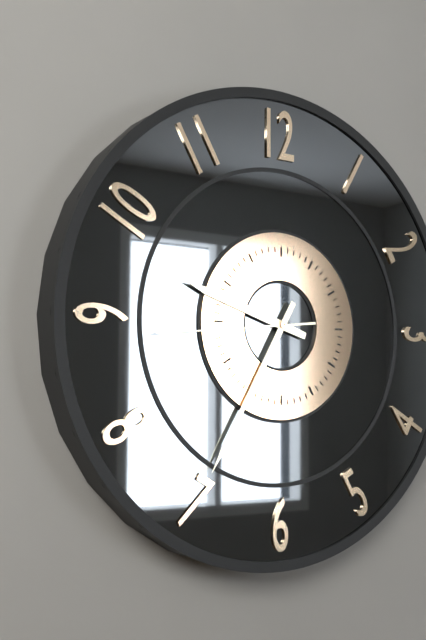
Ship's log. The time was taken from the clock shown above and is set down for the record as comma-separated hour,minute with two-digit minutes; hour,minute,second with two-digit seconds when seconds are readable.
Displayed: 9,35,44
